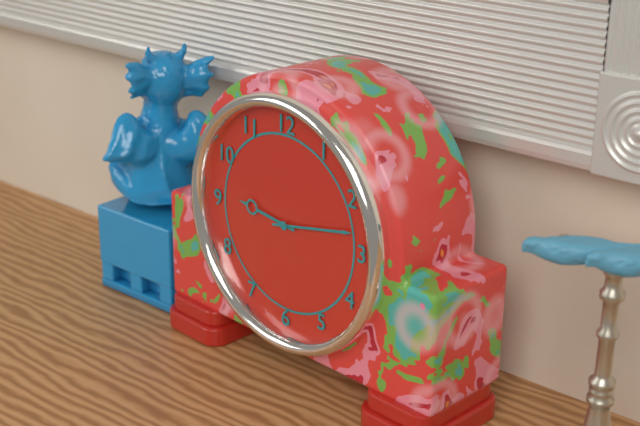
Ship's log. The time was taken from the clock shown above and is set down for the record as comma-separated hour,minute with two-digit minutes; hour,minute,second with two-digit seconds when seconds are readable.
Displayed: 9,13
